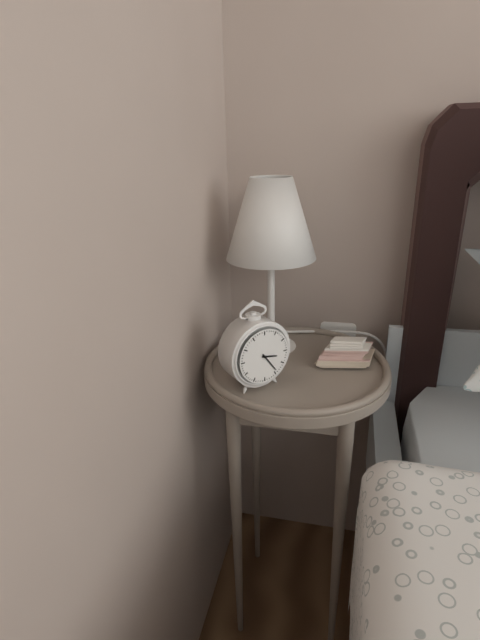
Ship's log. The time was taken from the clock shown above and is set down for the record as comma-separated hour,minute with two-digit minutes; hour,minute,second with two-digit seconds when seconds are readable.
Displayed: 3,24
